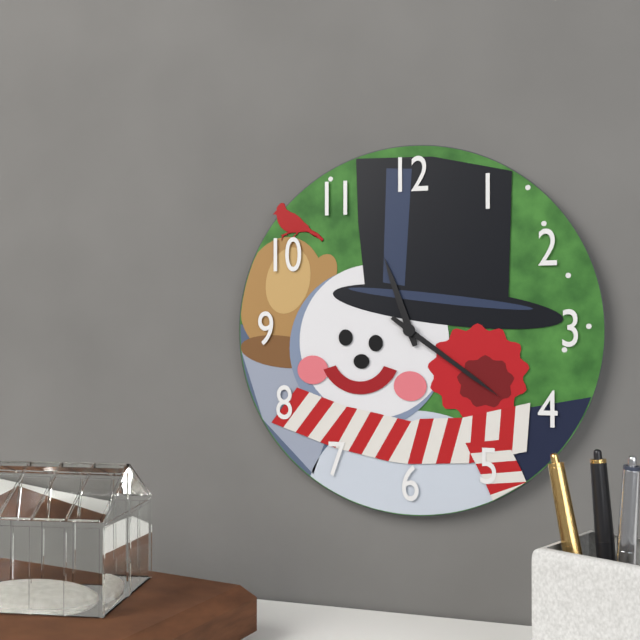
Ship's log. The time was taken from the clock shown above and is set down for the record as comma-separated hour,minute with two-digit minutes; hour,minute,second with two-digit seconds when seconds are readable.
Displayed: 11,21
